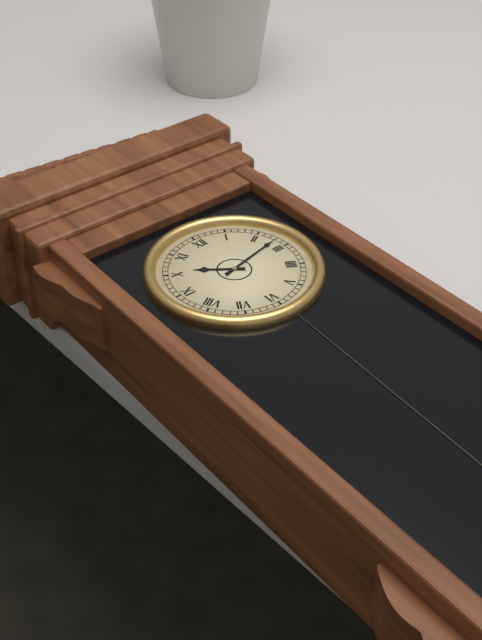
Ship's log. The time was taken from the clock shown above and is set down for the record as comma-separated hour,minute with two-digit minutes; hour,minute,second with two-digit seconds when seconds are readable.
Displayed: 10,13
